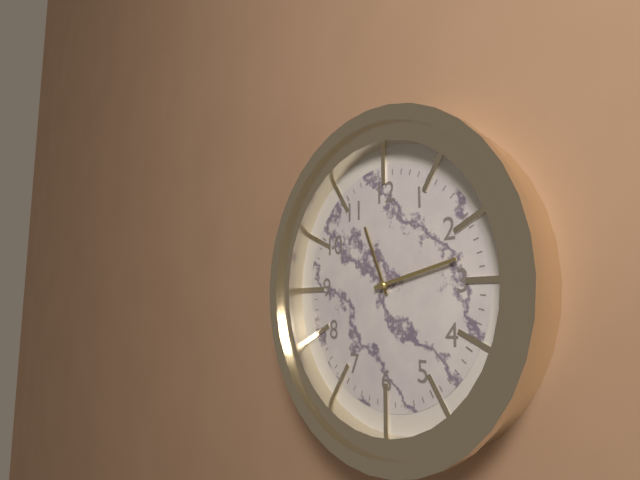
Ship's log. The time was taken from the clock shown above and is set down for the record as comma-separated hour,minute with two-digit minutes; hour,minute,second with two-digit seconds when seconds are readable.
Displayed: 11,13
